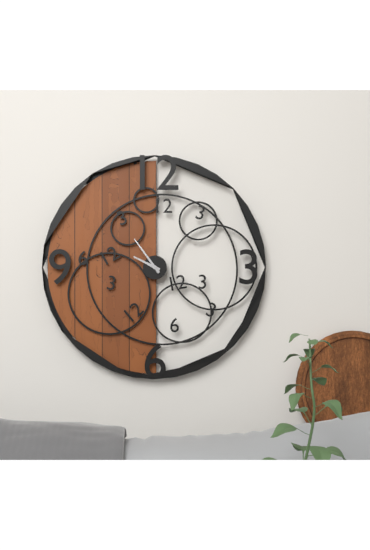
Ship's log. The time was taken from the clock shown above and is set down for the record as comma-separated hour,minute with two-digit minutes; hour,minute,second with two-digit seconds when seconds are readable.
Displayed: 9,54
